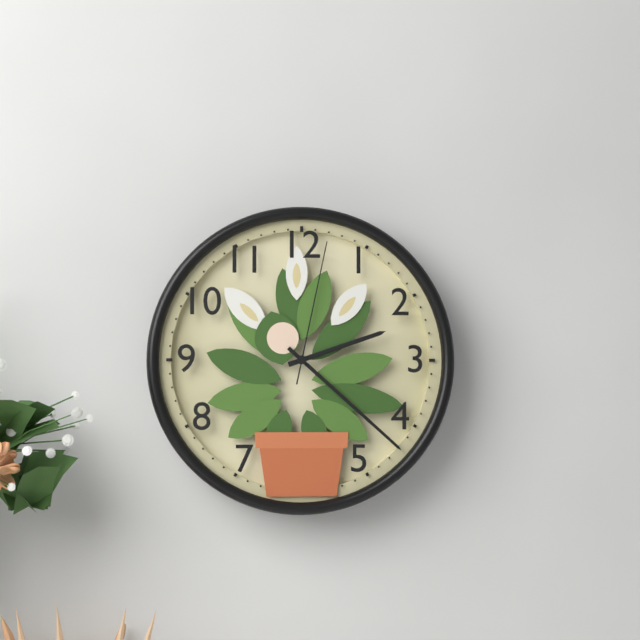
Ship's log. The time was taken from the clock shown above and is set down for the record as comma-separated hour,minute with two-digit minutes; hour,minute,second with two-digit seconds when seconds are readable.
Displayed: 2,22,02
